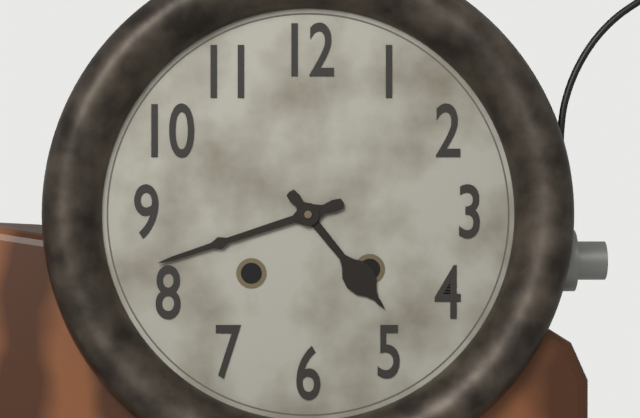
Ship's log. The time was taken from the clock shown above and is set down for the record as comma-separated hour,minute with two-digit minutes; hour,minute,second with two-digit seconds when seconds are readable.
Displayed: 4,42
